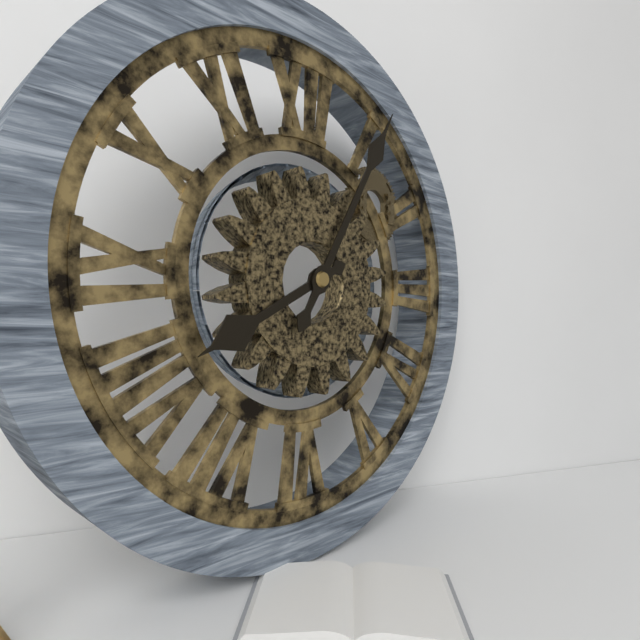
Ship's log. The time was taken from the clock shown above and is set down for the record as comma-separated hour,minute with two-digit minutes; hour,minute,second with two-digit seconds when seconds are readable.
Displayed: 8,05
